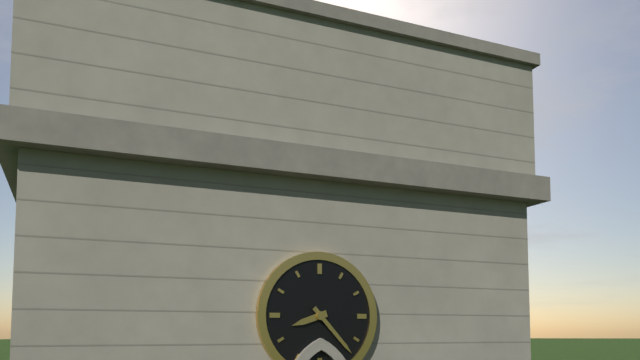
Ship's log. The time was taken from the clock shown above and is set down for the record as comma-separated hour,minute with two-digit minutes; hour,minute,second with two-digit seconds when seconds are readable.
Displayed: 8,23
